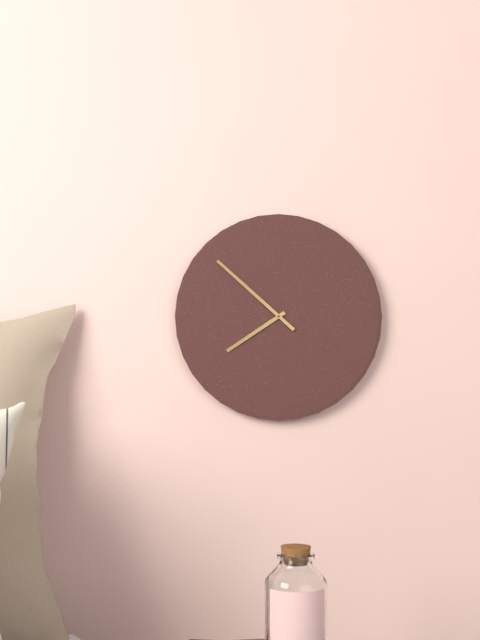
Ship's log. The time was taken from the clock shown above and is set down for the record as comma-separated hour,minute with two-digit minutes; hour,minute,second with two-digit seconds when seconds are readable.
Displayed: 7,52
